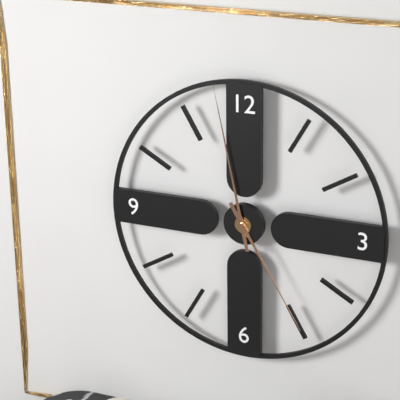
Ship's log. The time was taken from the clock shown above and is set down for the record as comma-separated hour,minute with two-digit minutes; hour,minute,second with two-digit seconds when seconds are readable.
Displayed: 4,58
